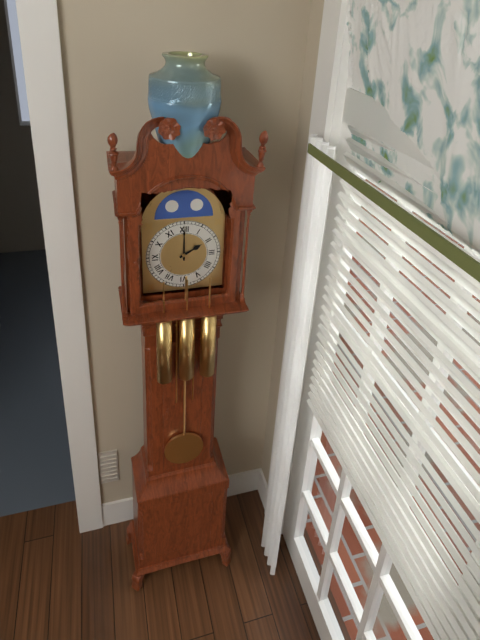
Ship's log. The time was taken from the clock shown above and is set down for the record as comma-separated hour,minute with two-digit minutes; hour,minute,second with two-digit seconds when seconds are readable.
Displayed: 2,00
